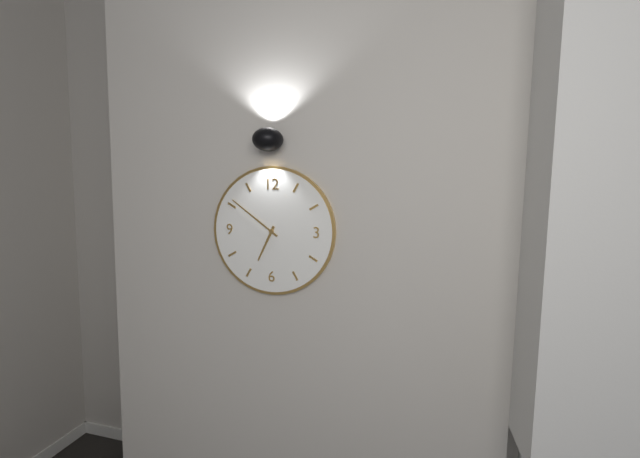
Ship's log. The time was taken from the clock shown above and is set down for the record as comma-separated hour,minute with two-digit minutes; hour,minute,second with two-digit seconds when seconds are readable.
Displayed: 6,51
